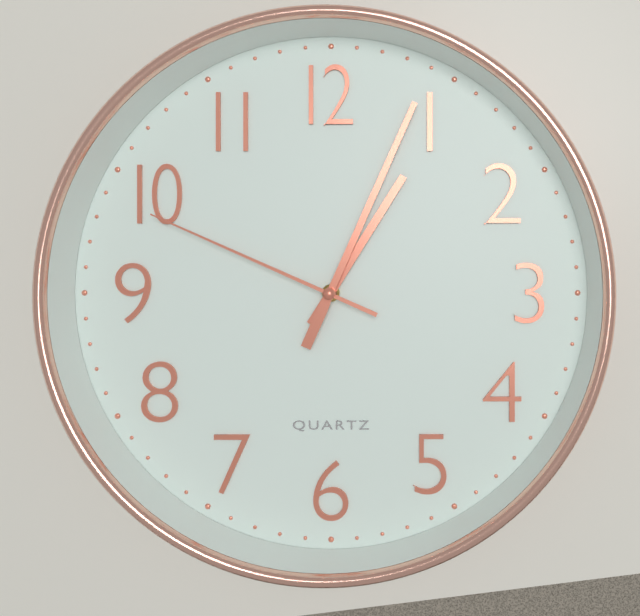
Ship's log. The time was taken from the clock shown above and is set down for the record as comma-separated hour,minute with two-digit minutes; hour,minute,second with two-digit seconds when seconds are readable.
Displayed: 1,04,49
